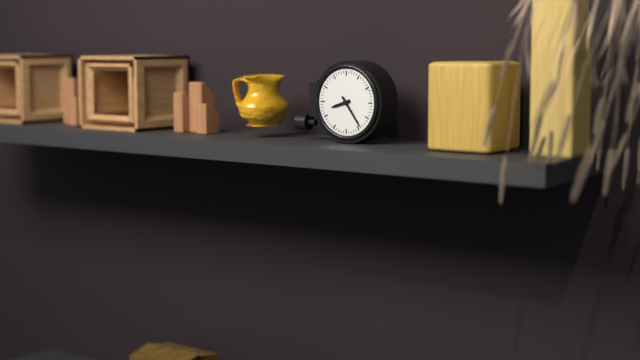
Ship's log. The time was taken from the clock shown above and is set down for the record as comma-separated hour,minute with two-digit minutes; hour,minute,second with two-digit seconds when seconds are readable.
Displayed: 8,24
